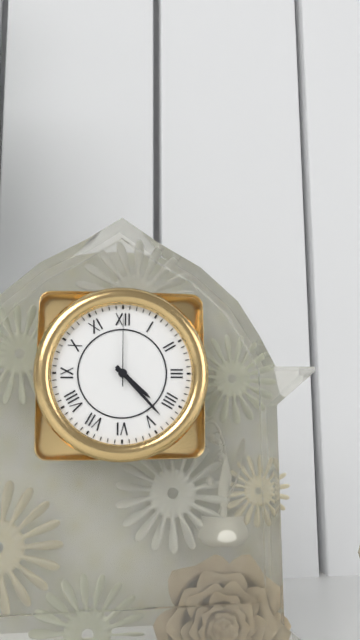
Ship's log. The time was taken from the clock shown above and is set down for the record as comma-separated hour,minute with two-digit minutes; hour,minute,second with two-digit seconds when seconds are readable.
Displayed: 4,23,00
